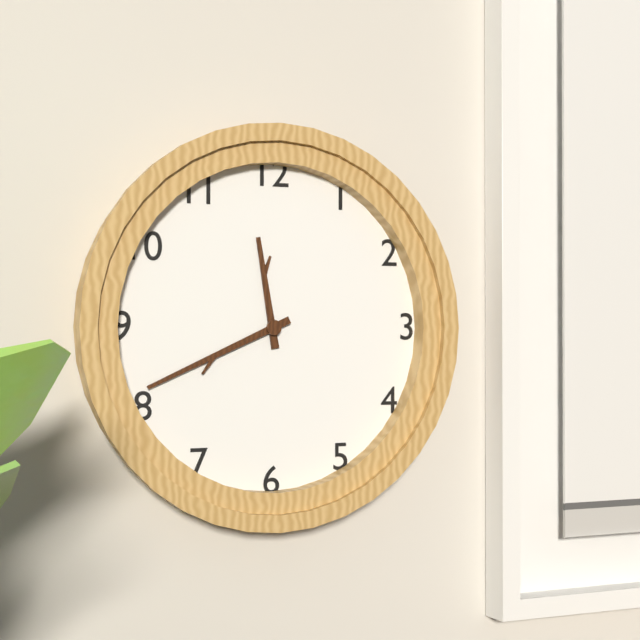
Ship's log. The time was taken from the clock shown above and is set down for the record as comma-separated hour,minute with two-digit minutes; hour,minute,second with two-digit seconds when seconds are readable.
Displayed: 11,41
